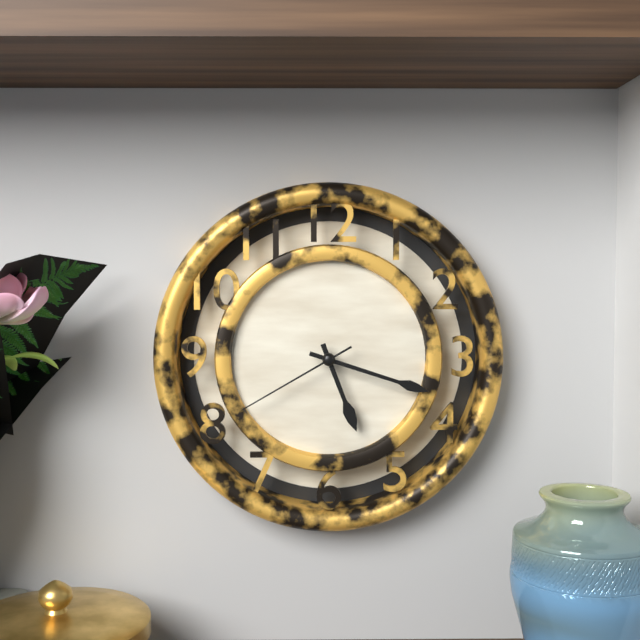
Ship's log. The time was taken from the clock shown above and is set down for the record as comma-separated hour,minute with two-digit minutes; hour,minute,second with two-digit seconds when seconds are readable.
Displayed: 5,18,40
